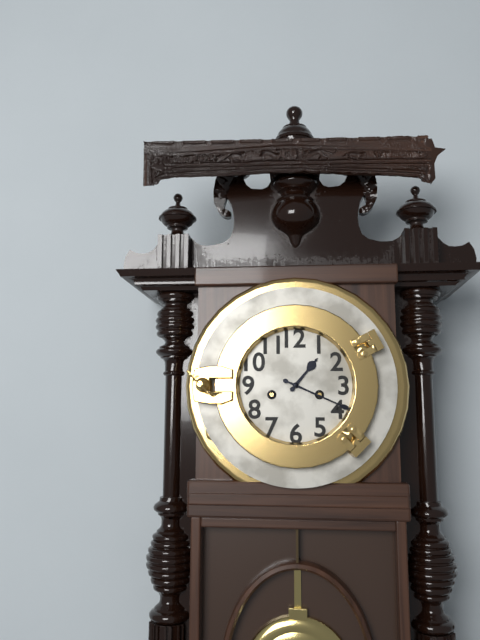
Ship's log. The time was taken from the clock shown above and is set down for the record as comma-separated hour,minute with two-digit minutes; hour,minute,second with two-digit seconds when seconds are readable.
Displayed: 1,19
